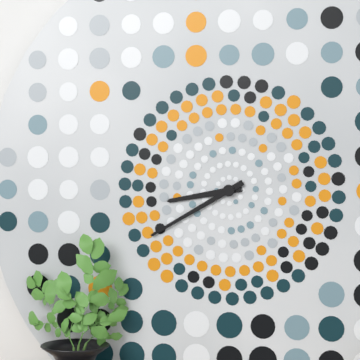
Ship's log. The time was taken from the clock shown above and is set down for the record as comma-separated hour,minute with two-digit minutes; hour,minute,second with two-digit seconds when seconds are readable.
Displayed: 8,40
